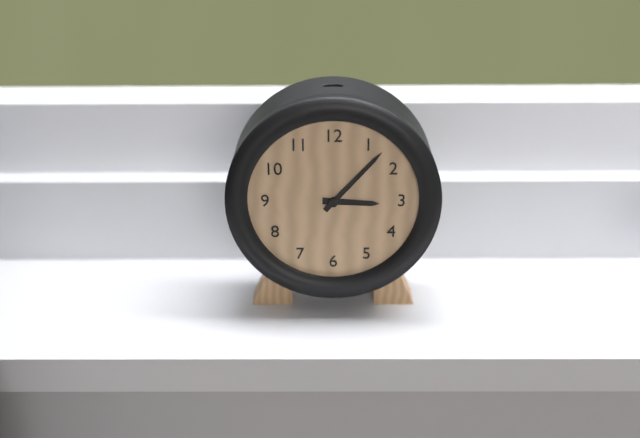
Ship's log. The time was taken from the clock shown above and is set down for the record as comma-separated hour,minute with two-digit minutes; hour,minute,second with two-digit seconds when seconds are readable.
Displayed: 3,07
